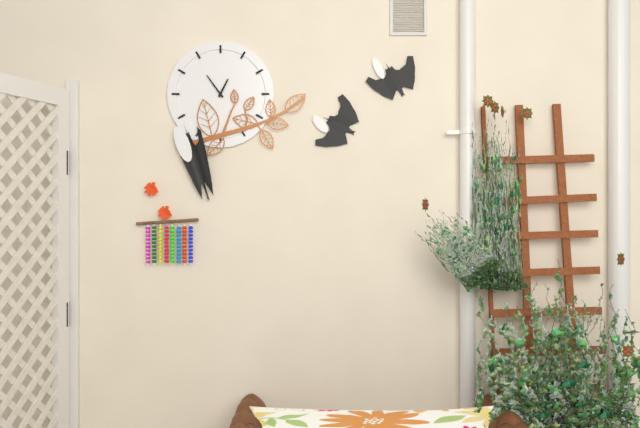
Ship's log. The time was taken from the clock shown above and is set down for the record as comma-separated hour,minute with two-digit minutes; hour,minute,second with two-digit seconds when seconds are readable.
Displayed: 12,54
